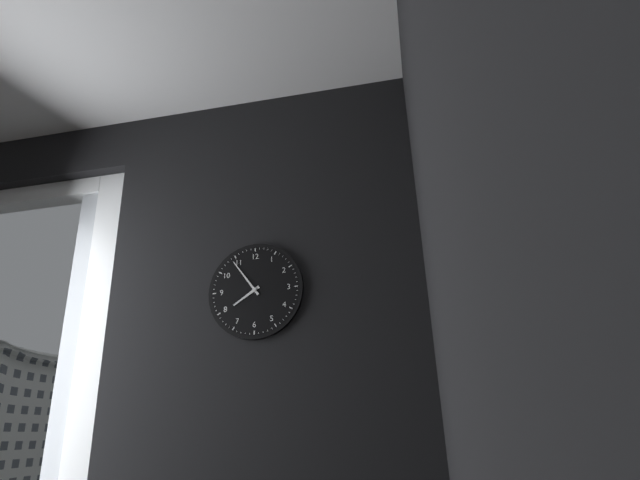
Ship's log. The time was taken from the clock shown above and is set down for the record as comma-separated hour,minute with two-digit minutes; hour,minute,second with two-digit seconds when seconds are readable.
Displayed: 7,54
